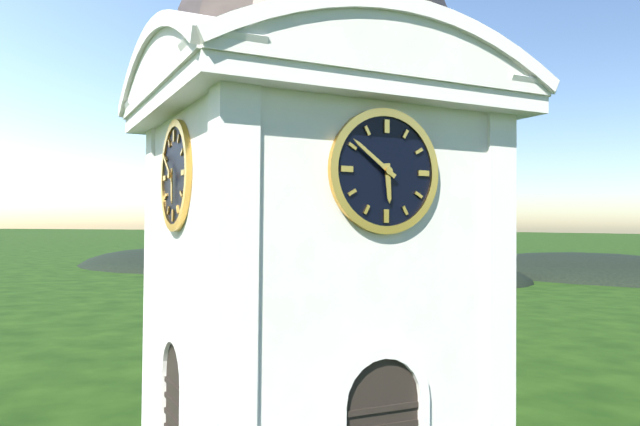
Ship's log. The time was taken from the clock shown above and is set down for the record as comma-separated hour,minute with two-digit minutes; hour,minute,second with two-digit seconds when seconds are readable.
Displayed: 5,51
